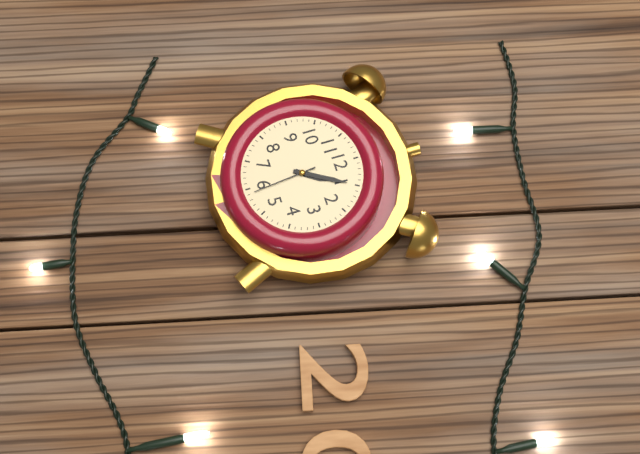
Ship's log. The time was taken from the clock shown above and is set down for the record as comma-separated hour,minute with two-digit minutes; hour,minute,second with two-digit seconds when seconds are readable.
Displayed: 1,05,29
